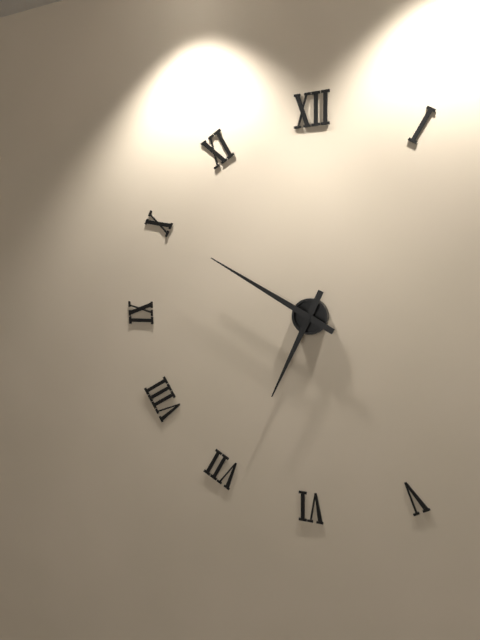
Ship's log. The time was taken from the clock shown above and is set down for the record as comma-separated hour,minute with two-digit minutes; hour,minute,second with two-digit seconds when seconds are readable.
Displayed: 6,50
